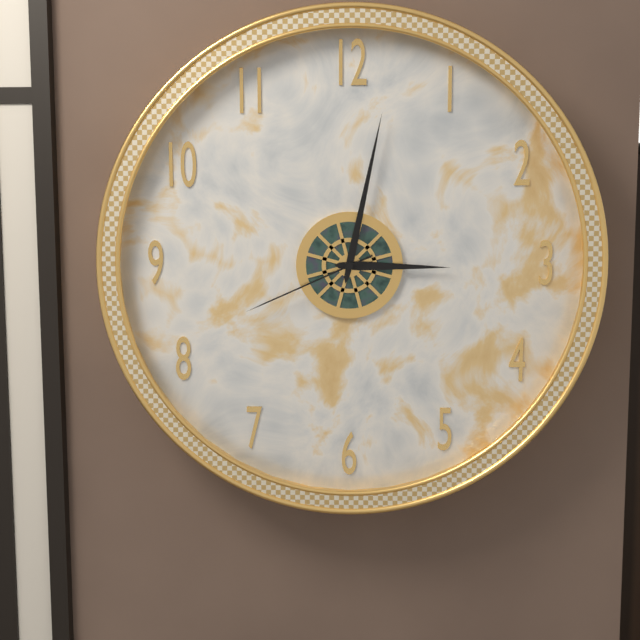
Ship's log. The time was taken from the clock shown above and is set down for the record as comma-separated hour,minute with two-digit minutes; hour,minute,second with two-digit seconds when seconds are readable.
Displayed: 3,02,41
